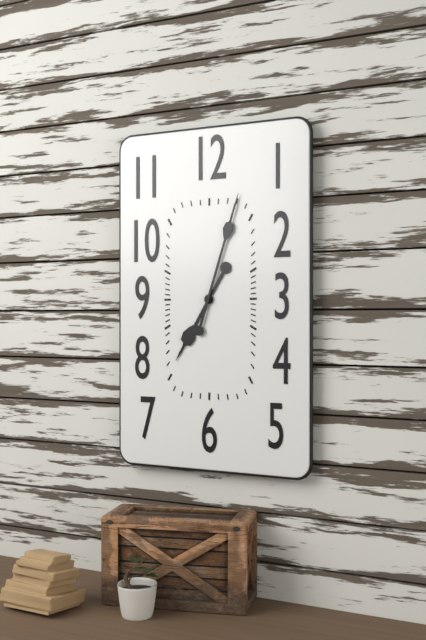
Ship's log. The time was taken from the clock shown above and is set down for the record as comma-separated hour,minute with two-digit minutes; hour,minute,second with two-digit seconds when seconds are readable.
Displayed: 7,03
